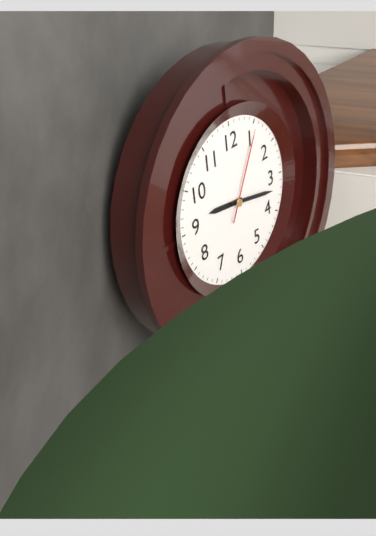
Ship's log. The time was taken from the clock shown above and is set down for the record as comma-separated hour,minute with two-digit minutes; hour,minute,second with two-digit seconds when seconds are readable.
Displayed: 9,17,05
